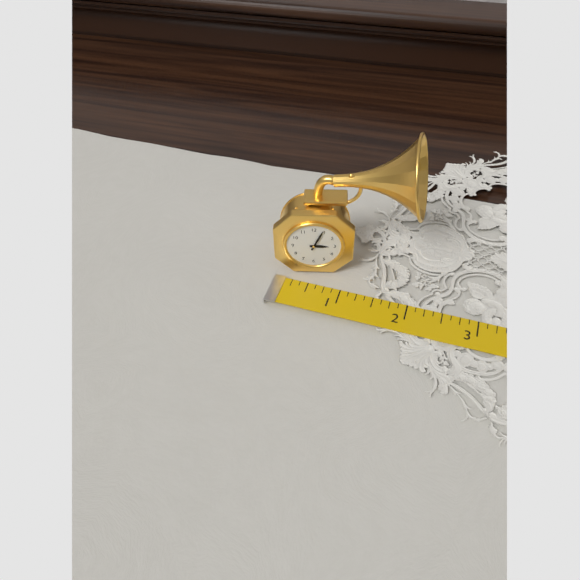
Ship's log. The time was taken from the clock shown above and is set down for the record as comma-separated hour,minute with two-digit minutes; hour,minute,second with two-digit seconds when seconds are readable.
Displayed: 3,04
